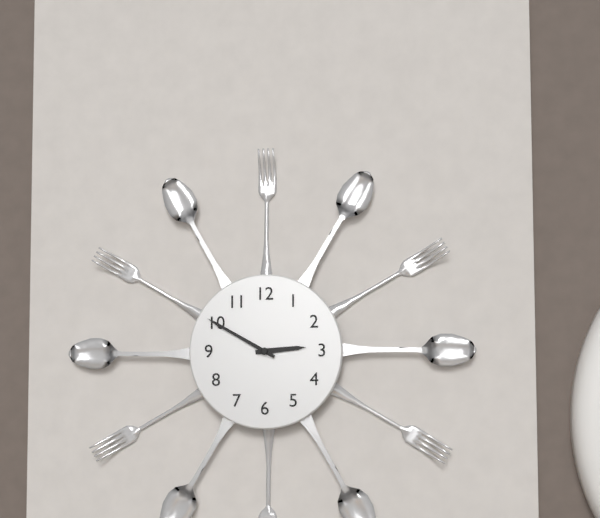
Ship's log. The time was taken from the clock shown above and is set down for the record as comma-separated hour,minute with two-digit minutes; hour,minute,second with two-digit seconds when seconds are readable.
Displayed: 2,50
